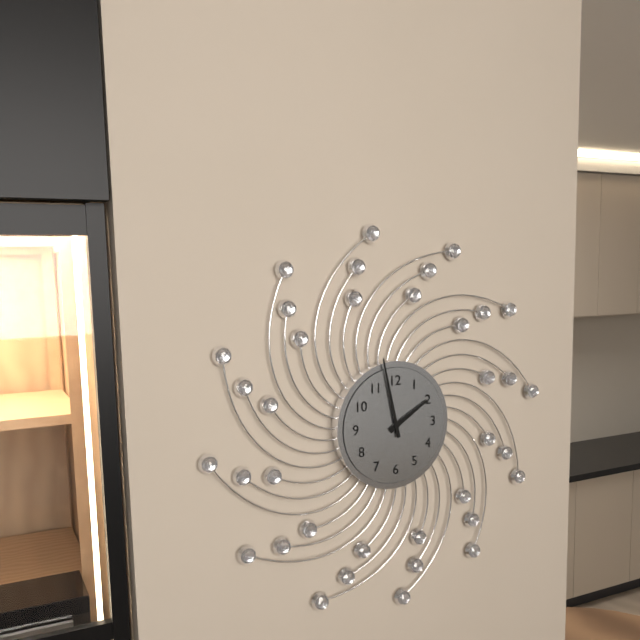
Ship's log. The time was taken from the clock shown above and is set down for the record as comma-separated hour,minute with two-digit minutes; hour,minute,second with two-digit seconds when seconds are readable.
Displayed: 1,58
